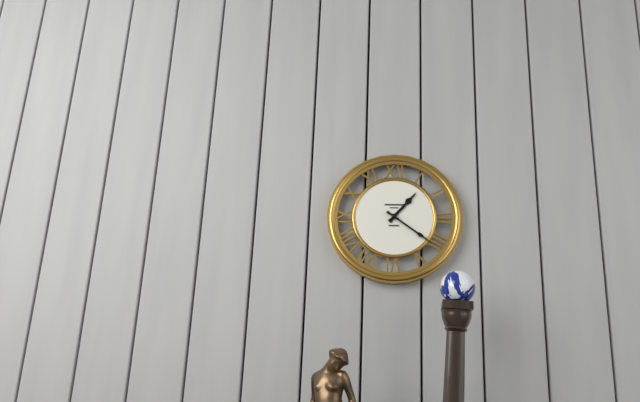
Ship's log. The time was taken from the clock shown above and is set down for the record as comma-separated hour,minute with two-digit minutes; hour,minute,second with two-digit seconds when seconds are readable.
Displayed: 1,21
